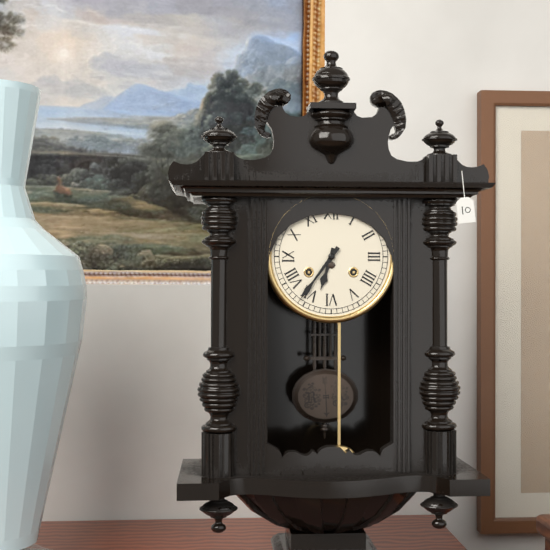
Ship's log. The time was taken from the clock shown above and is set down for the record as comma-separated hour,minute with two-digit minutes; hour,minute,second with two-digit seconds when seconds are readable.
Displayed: 6,36
